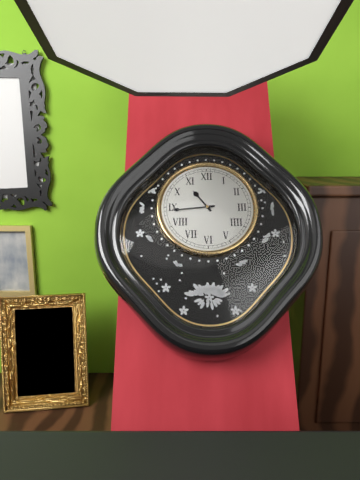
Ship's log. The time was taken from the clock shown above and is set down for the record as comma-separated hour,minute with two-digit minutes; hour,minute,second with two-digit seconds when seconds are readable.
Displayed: 10,44
